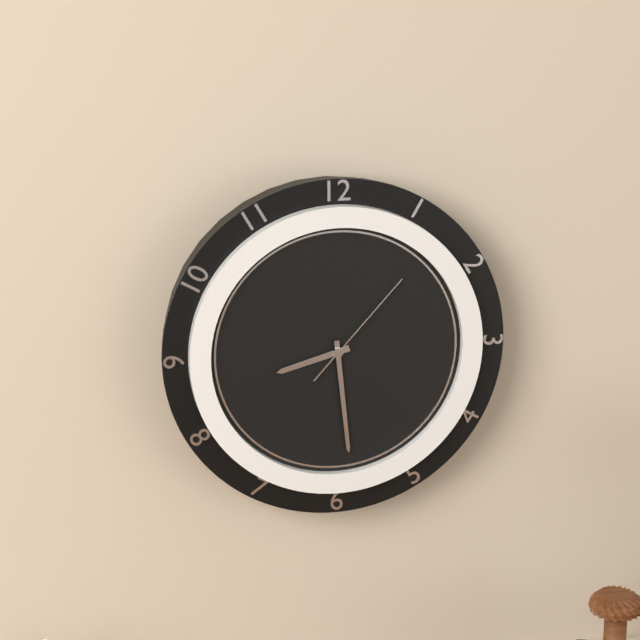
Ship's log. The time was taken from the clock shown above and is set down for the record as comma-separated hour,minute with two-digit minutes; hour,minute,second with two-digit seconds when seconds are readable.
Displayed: 8,29,07
